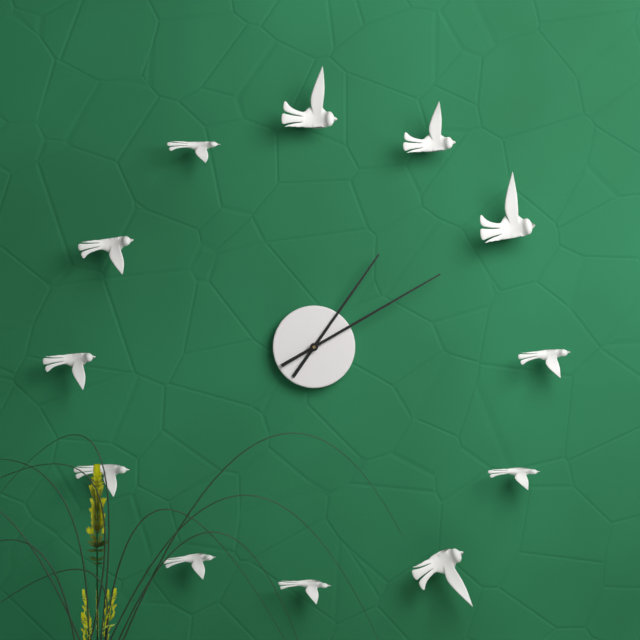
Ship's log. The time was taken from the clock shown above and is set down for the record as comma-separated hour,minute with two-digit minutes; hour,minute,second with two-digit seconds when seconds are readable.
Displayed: 1,10
